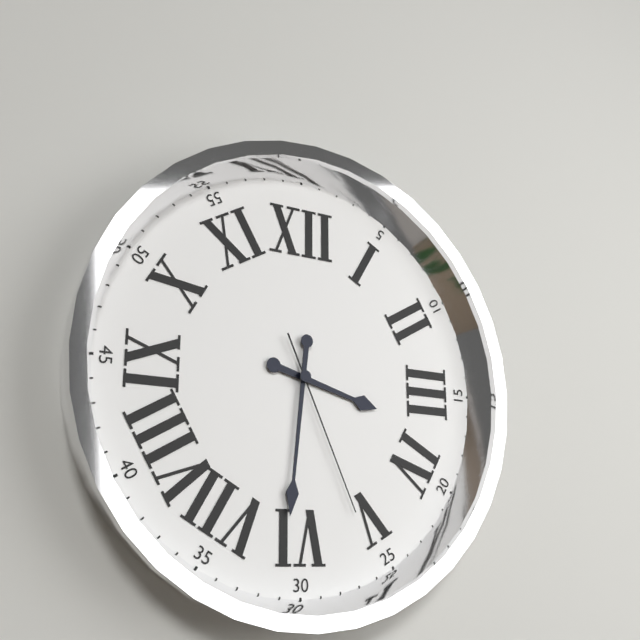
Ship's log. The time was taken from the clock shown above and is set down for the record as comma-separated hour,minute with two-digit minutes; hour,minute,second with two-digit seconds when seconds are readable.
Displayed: 3,31,26
